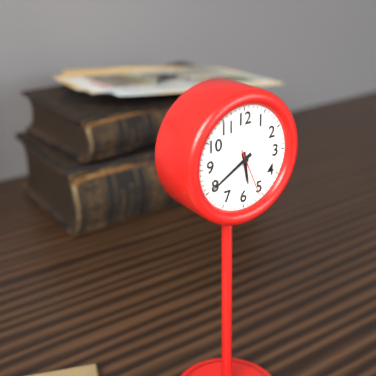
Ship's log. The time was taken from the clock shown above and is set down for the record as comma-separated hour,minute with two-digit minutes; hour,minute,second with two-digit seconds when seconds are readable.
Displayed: 5,40,26
